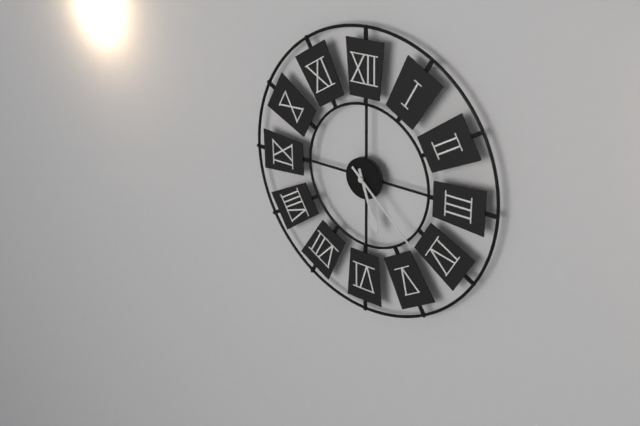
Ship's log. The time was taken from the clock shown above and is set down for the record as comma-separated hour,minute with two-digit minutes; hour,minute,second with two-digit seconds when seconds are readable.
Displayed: 5,22
